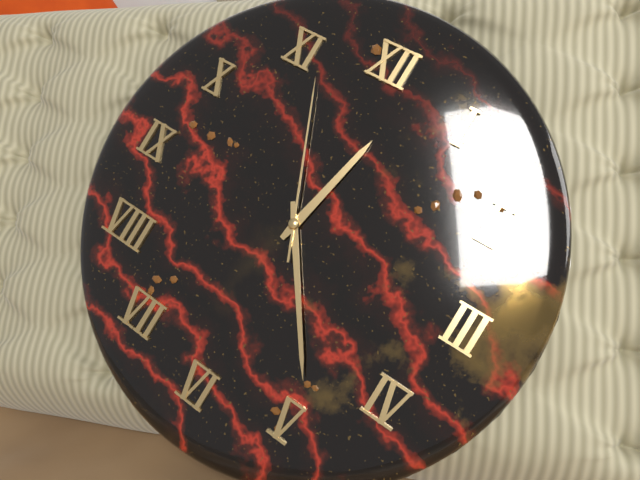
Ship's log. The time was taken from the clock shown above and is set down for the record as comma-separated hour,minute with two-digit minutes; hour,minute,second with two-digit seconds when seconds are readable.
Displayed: 12,24,56
